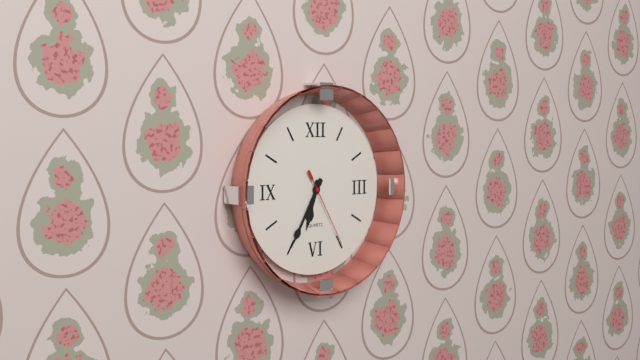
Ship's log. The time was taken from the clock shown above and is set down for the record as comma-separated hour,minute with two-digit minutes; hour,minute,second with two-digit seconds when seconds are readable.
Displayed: 6,35,25
